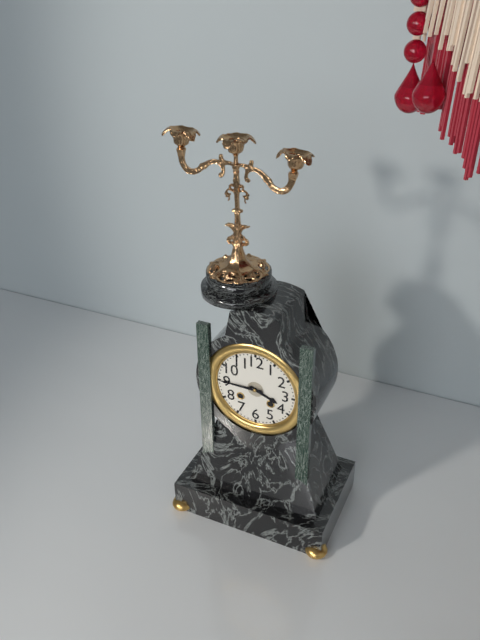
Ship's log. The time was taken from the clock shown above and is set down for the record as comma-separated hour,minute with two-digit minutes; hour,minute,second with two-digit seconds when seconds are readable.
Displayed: 3,45
